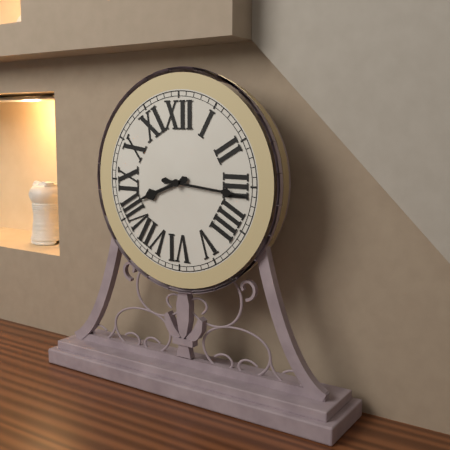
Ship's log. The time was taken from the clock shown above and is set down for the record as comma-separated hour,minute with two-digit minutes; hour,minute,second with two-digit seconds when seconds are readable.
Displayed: 8,16
